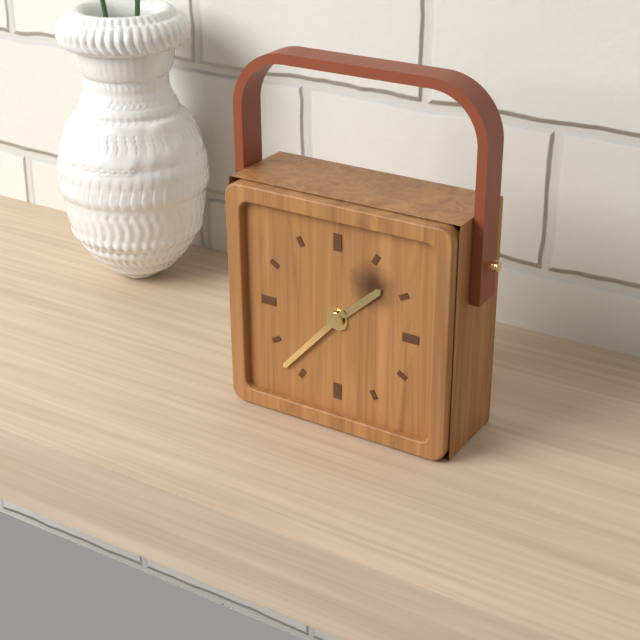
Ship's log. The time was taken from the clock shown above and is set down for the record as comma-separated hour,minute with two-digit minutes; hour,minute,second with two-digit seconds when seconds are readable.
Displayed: 1,37
